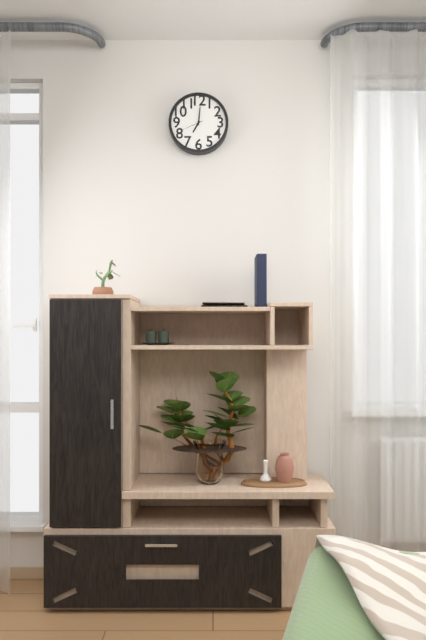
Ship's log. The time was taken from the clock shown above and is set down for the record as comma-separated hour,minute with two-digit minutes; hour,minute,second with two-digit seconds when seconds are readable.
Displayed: 7,01
